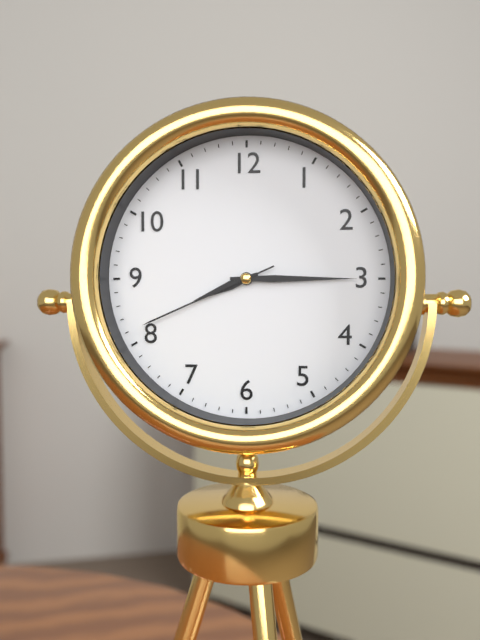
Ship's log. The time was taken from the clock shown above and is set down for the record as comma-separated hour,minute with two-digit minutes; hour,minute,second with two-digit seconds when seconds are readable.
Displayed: 8,15,41
